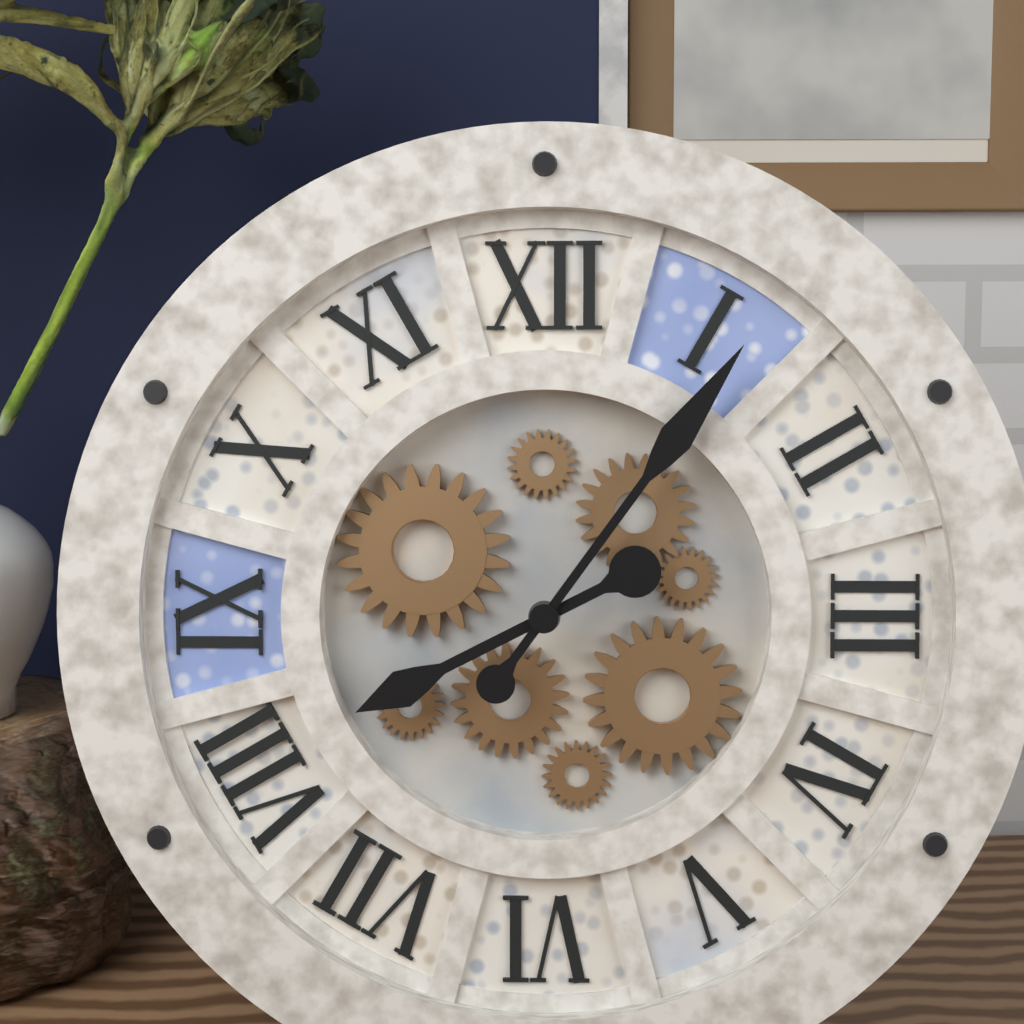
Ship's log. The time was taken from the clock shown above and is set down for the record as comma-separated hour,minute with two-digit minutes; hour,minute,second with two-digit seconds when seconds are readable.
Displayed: 8,06
